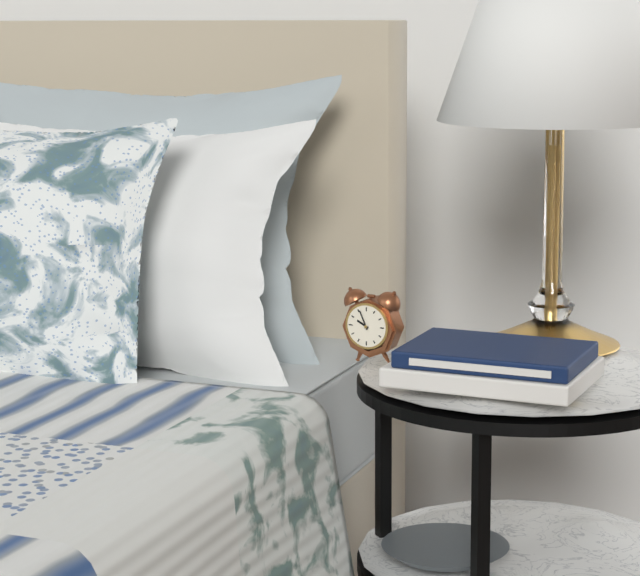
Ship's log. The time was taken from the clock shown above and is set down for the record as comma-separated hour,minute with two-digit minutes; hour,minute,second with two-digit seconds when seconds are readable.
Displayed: 9,56
